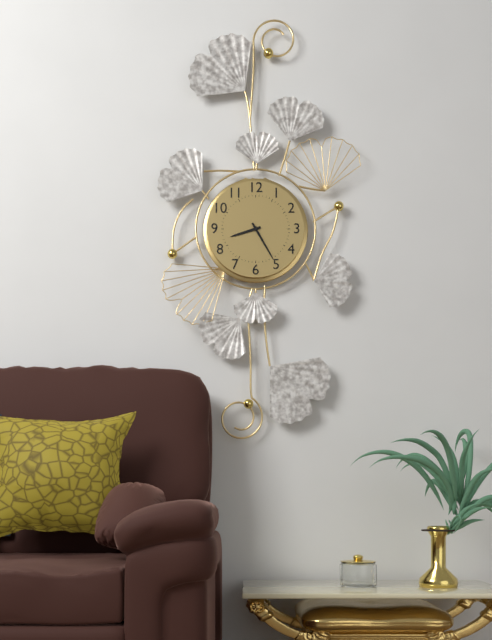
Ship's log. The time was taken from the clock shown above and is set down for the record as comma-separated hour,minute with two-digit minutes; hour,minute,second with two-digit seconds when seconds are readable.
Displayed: 8,25
